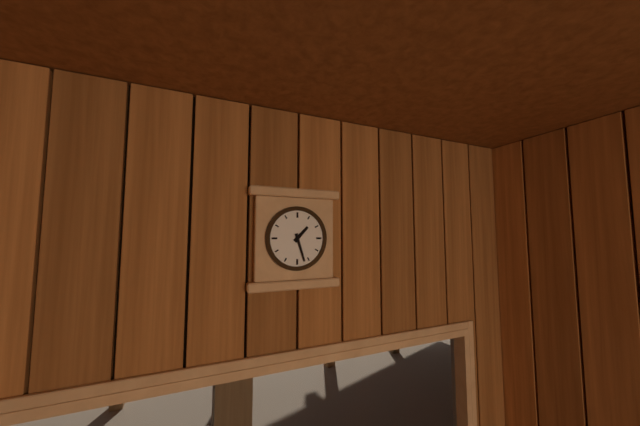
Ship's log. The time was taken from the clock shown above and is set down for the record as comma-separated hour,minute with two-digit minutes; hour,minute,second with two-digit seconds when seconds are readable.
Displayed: 1,27
